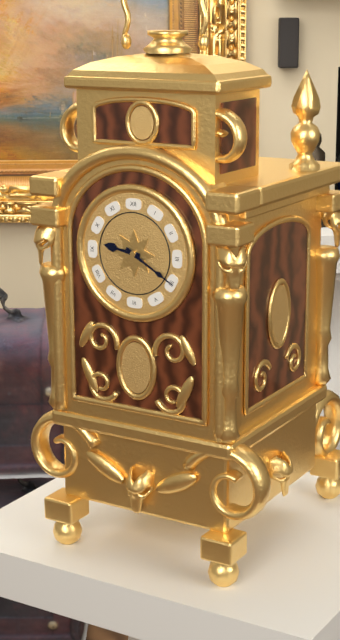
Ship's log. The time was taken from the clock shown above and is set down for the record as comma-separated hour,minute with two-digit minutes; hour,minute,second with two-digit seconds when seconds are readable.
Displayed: 9,20
